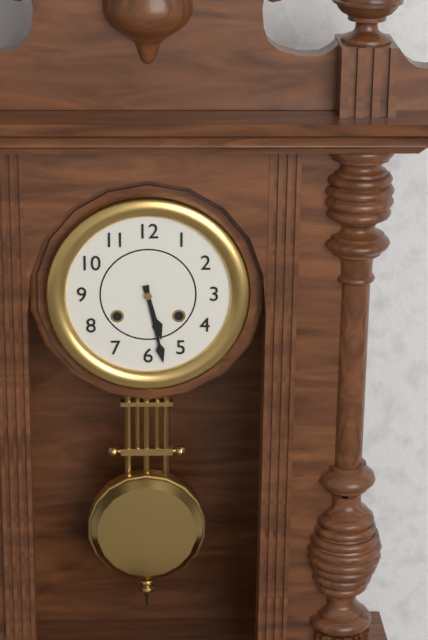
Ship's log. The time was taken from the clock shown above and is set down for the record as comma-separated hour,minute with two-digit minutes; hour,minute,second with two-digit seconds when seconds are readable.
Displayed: 5,28
